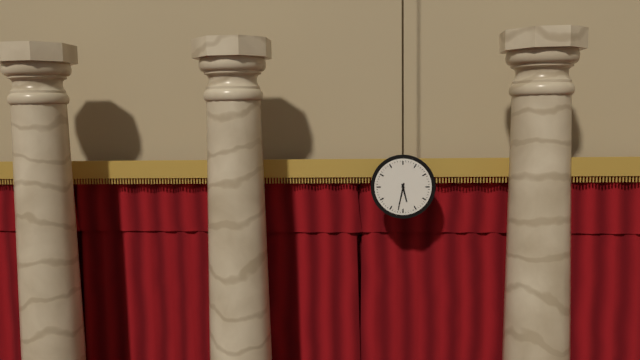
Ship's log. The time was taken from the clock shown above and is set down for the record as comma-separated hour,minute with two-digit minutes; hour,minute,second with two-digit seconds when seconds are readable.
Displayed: 5,32
